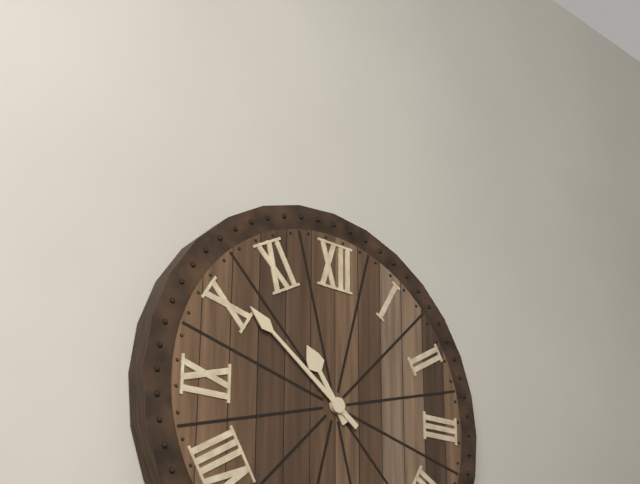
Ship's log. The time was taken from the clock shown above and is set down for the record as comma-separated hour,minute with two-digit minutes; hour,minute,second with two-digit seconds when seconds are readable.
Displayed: 10,51
